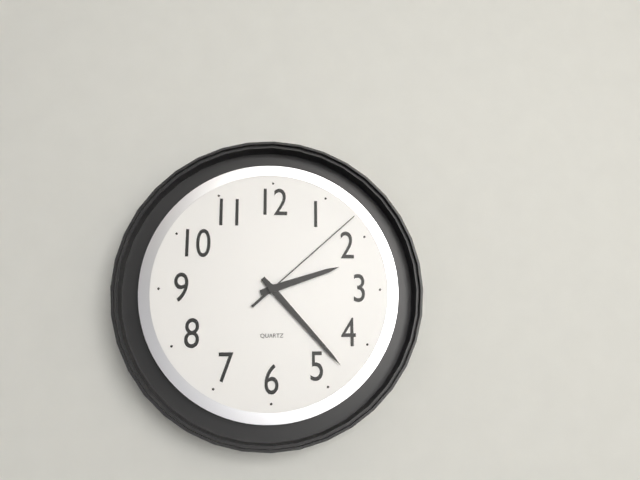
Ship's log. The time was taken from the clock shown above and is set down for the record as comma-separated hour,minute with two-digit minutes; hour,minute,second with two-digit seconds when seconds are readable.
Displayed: 2,23,08
